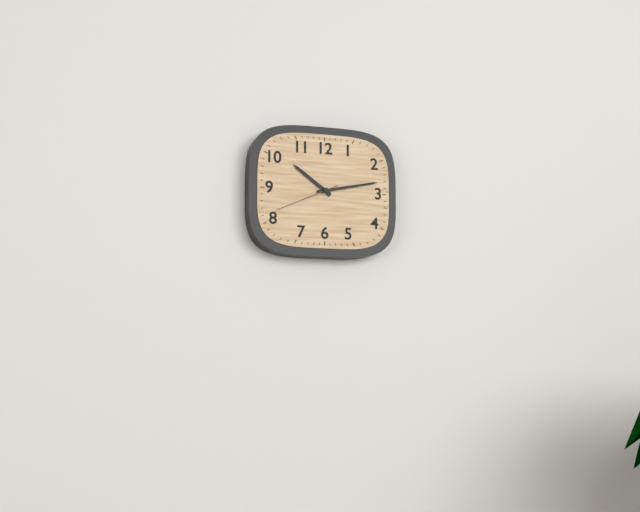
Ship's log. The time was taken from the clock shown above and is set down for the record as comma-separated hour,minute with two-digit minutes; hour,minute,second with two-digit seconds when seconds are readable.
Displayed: 10,13,41
